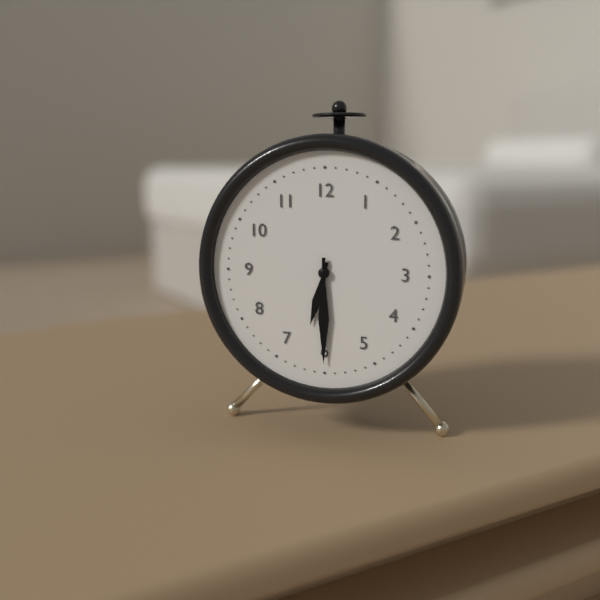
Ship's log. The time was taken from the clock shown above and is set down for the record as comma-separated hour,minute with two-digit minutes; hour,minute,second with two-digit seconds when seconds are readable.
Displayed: 6,30
